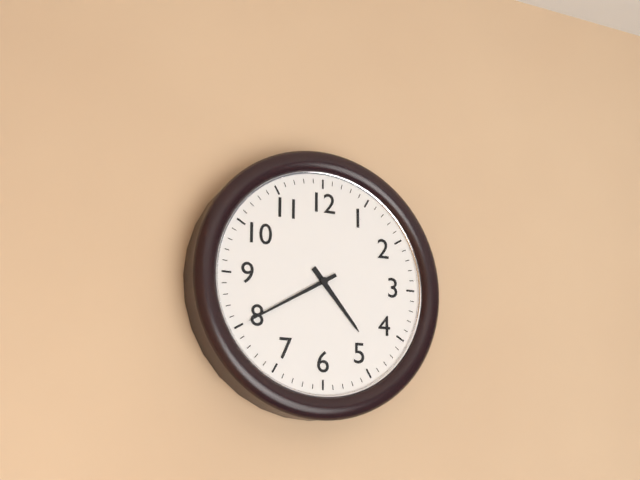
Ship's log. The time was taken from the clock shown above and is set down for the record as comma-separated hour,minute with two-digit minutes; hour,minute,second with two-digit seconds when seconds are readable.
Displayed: 4,40
